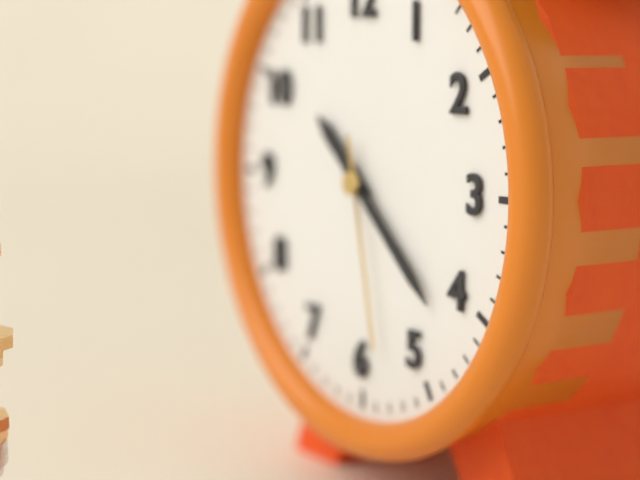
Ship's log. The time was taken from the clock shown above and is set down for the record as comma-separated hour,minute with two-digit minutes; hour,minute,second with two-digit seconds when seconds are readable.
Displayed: 10,22,28
